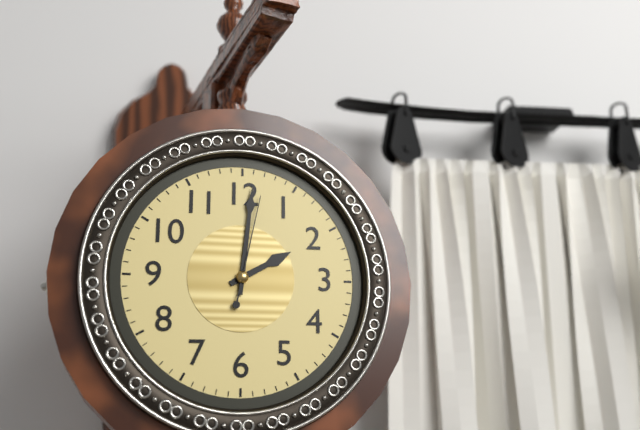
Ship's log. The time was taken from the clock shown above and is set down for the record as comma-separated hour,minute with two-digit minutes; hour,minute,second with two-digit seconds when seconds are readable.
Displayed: 2,01,02
